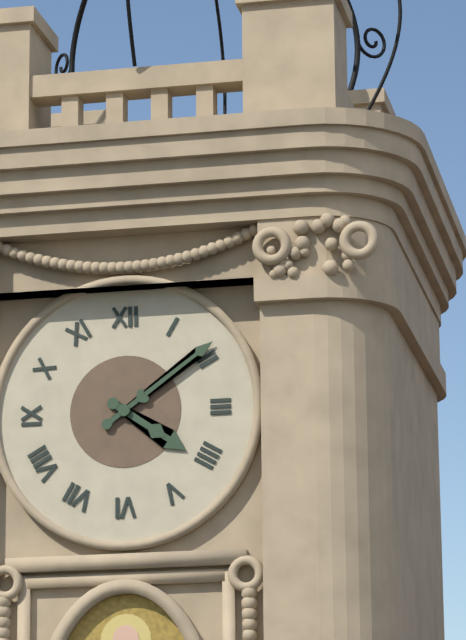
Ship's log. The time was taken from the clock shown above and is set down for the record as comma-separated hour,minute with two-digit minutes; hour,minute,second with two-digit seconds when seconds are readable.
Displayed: 4,09
